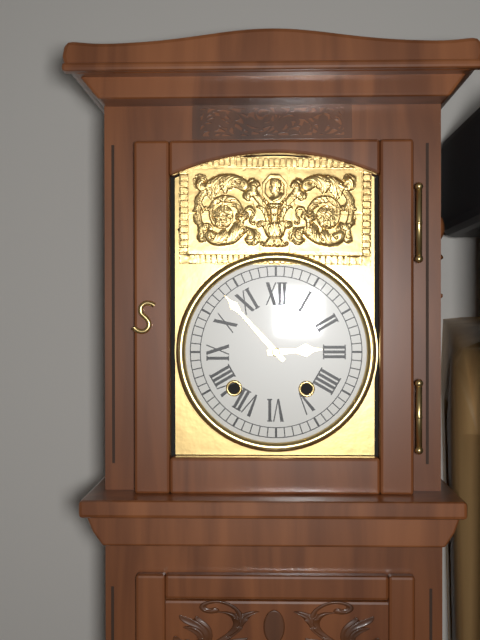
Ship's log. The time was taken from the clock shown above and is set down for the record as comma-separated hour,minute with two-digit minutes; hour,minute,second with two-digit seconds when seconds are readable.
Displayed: 2,53
